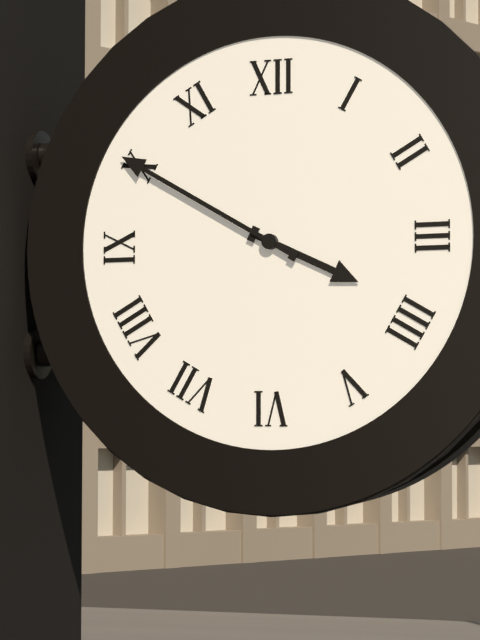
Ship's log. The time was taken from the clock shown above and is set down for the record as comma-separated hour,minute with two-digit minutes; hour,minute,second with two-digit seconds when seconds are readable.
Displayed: 3,50
